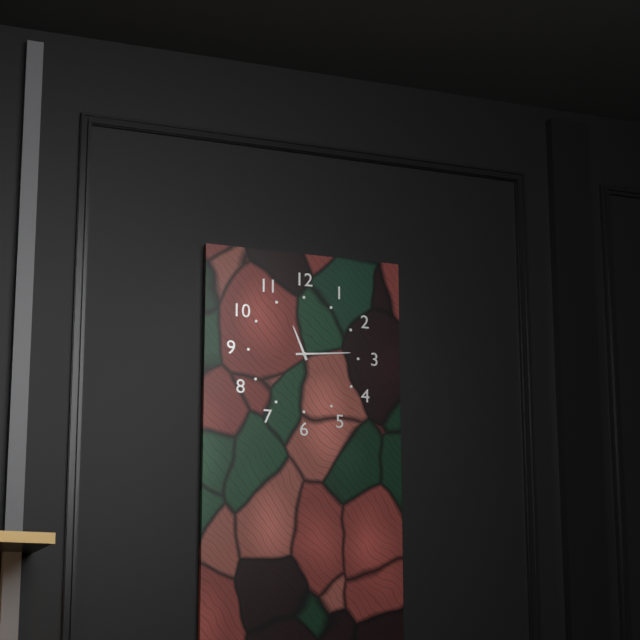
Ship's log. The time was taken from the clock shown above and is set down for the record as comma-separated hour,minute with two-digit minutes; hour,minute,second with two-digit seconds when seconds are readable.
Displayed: 11,14
